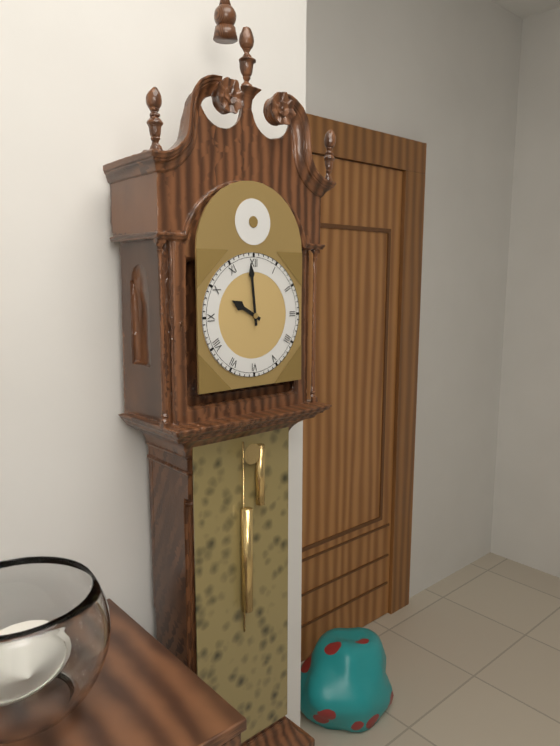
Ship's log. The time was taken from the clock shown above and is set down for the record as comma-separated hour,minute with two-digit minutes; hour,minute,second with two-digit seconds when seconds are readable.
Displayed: 9,59
